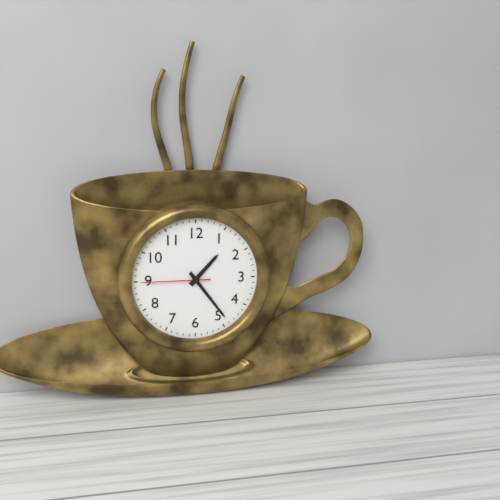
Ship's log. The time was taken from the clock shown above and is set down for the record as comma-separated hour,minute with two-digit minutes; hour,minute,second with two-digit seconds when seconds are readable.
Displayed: 1,24,45
